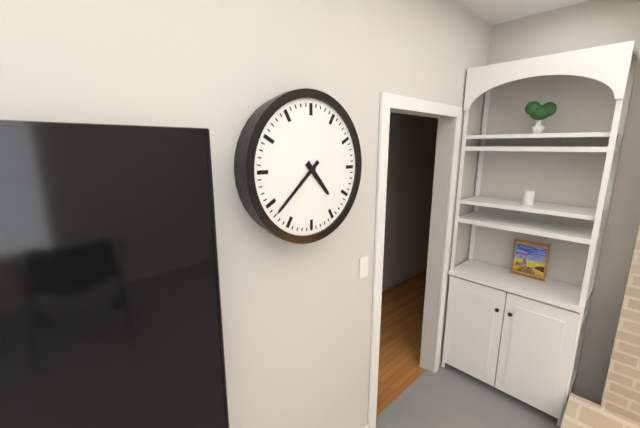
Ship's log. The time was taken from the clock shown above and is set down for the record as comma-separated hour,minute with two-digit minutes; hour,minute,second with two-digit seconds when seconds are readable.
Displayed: 4,38
